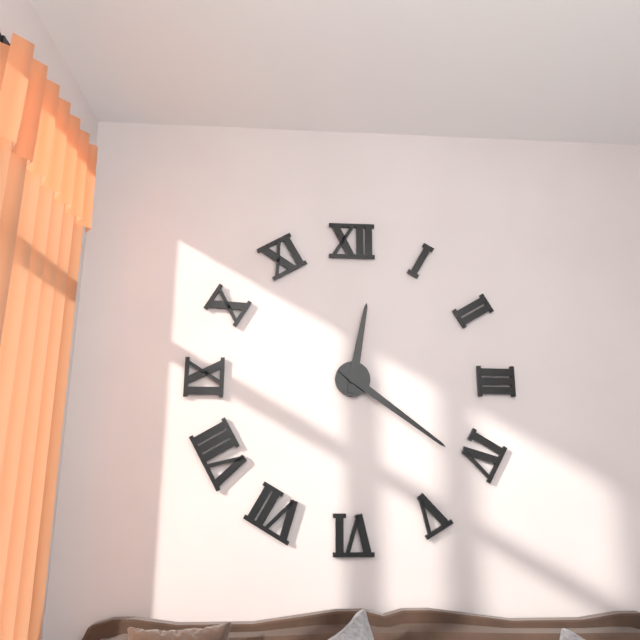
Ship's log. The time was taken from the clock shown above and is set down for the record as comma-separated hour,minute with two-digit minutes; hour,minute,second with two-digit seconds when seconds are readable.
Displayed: 12,21
